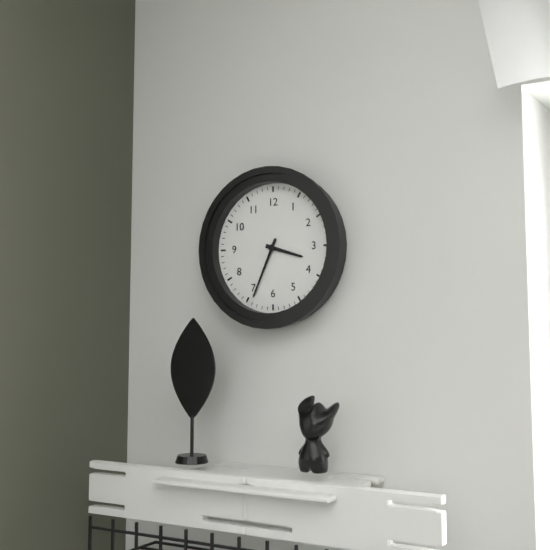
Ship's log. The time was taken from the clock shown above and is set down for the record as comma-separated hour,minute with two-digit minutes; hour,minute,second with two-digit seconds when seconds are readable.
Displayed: 3,34
